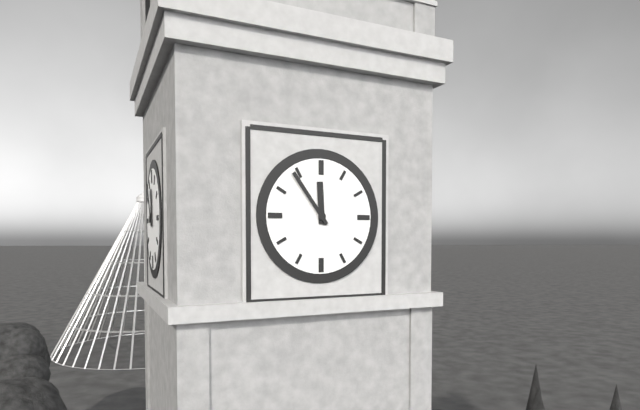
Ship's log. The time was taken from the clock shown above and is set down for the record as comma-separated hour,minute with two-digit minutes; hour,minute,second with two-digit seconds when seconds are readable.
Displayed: 11,54
